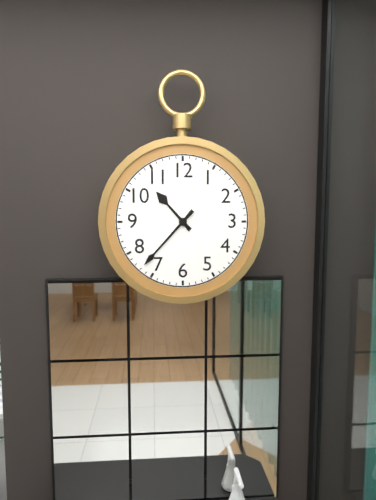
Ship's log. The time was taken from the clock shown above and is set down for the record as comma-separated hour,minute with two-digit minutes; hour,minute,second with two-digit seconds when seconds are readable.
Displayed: 10,37
